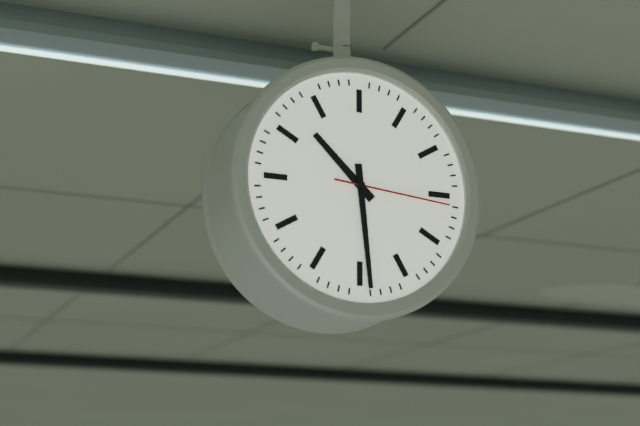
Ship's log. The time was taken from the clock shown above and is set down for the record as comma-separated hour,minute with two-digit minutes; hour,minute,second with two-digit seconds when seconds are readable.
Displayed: 10,29,16
